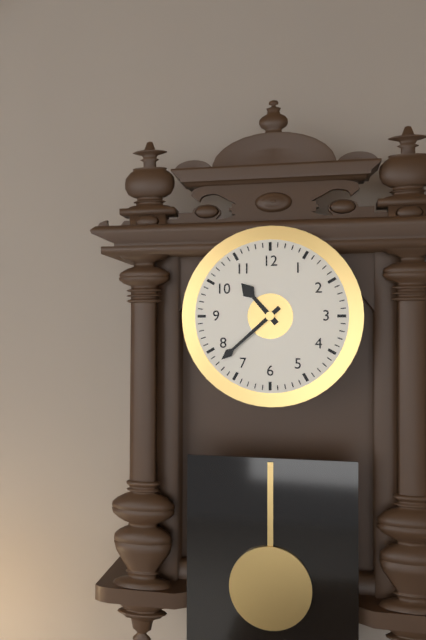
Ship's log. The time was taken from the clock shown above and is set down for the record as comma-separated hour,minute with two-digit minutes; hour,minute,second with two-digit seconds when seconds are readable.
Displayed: 10,38
